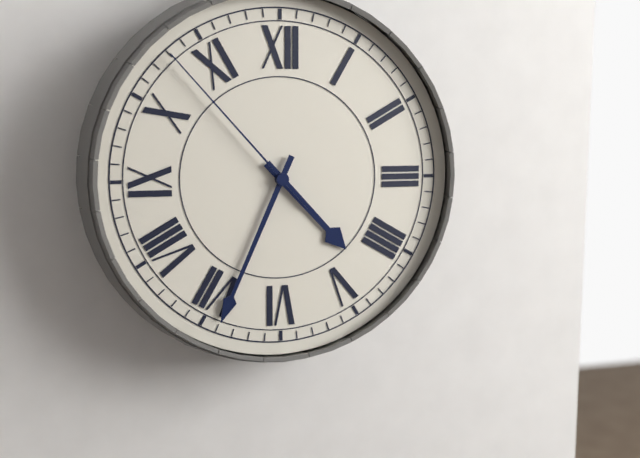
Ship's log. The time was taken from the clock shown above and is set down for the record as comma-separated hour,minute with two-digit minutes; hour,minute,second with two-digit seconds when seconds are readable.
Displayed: 4,34,53
